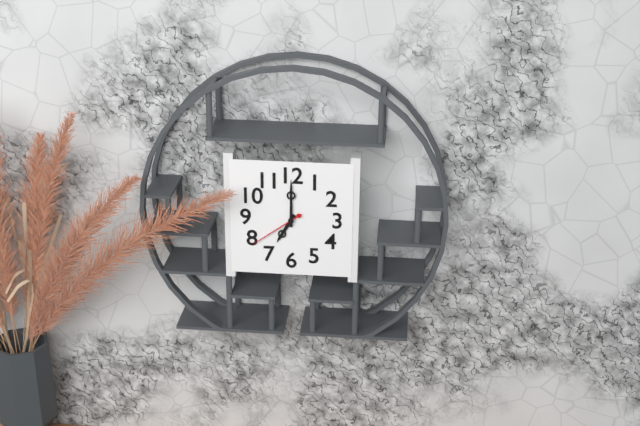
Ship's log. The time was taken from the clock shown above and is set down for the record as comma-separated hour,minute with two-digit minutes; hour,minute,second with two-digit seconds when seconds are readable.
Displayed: 7,00,39
